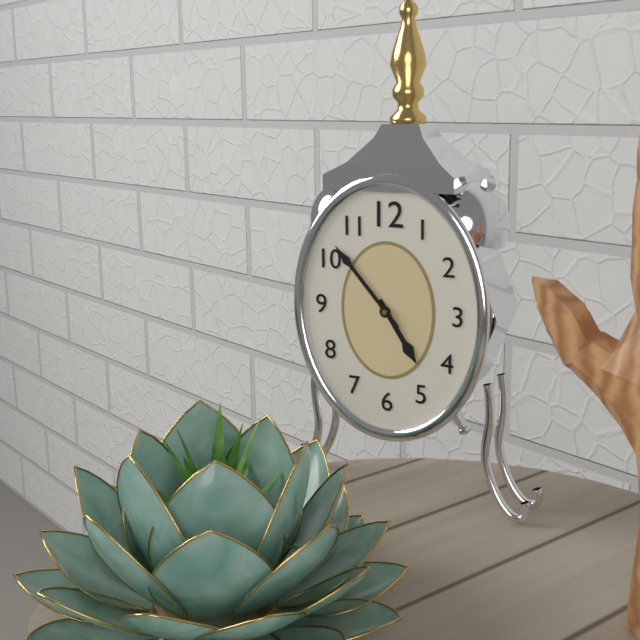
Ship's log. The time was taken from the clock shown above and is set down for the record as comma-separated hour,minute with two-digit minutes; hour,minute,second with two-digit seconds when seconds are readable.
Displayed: 4,53
